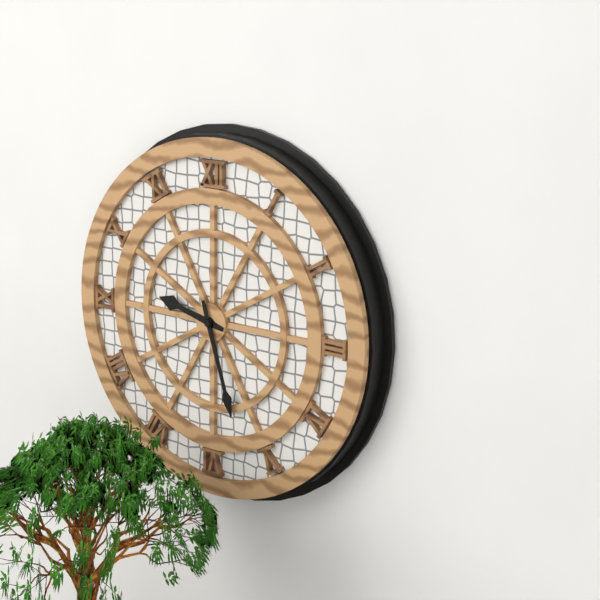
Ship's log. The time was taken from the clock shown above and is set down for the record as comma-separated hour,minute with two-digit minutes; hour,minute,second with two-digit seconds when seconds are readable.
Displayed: 9,27
